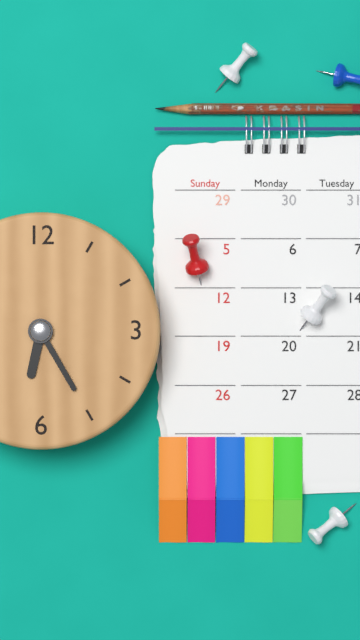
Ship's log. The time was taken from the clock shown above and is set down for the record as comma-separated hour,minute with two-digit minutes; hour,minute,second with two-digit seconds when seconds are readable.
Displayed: 6,25
